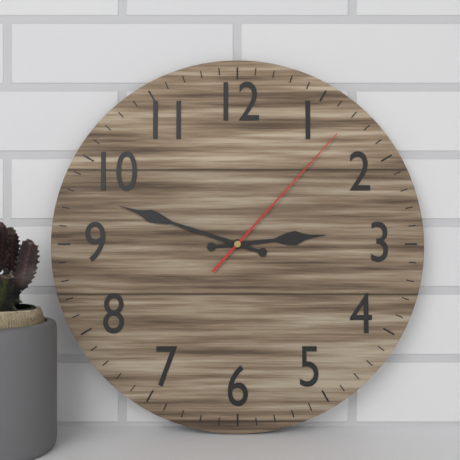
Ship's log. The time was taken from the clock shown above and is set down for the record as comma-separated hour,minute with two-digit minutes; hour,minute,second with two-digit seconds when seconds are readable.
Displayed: 2,48,07
